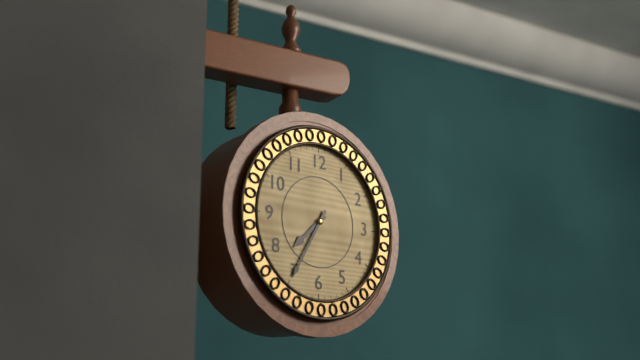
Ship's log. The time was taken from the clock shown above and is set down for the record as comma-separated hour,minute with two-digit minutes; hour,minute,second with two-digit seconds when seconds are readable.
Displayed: 7,35
